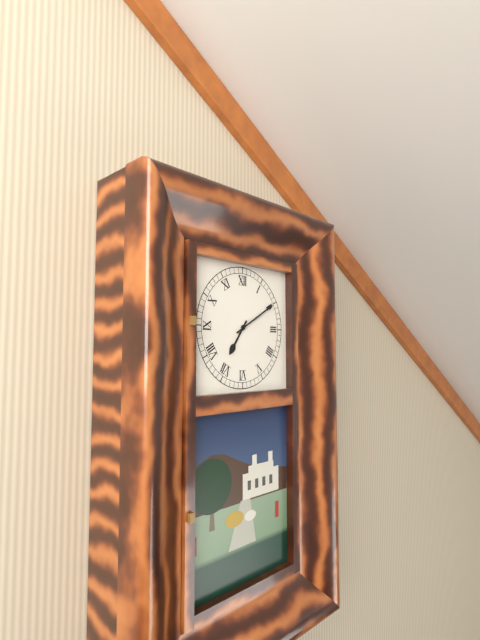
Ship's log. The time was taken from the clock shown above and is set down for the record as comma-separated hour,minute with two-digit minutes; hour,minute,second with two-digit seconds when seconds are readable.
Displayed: 7,10
